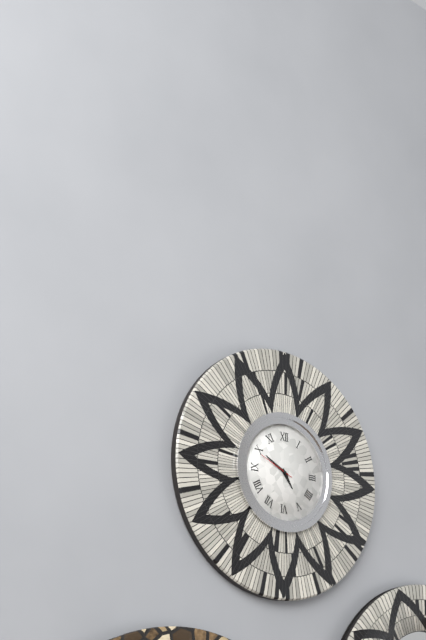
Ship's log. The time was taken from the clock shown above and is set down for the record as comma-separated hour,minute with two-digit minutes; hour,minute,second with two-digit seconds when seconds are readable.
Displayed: 4,50
